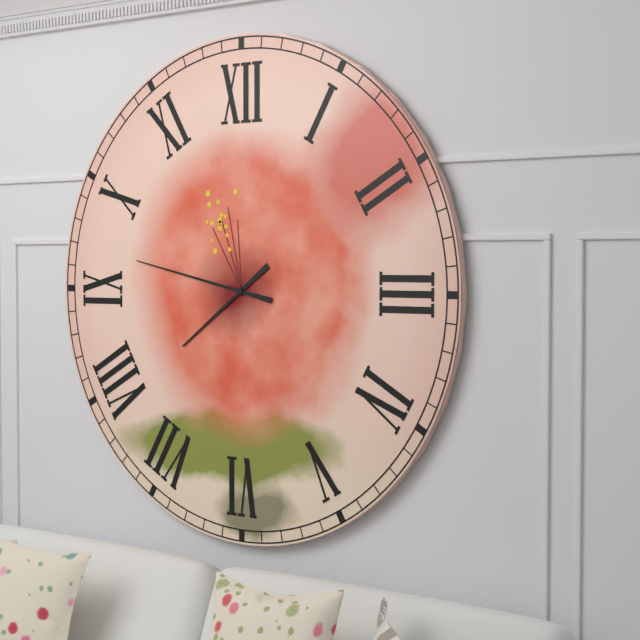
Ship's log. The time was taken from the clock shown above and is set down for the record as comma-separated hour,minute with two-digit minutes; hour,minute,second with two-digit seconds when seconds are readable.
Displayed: 7,47
